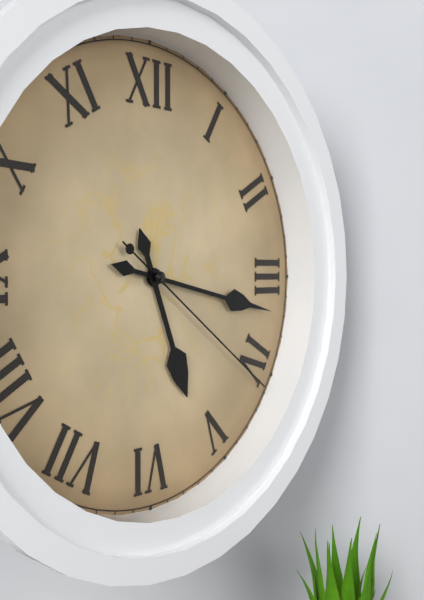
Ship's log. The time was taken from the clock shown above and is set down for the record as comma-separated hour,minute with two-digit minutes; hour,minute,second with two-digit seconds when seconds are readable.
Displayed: 5,17,21
